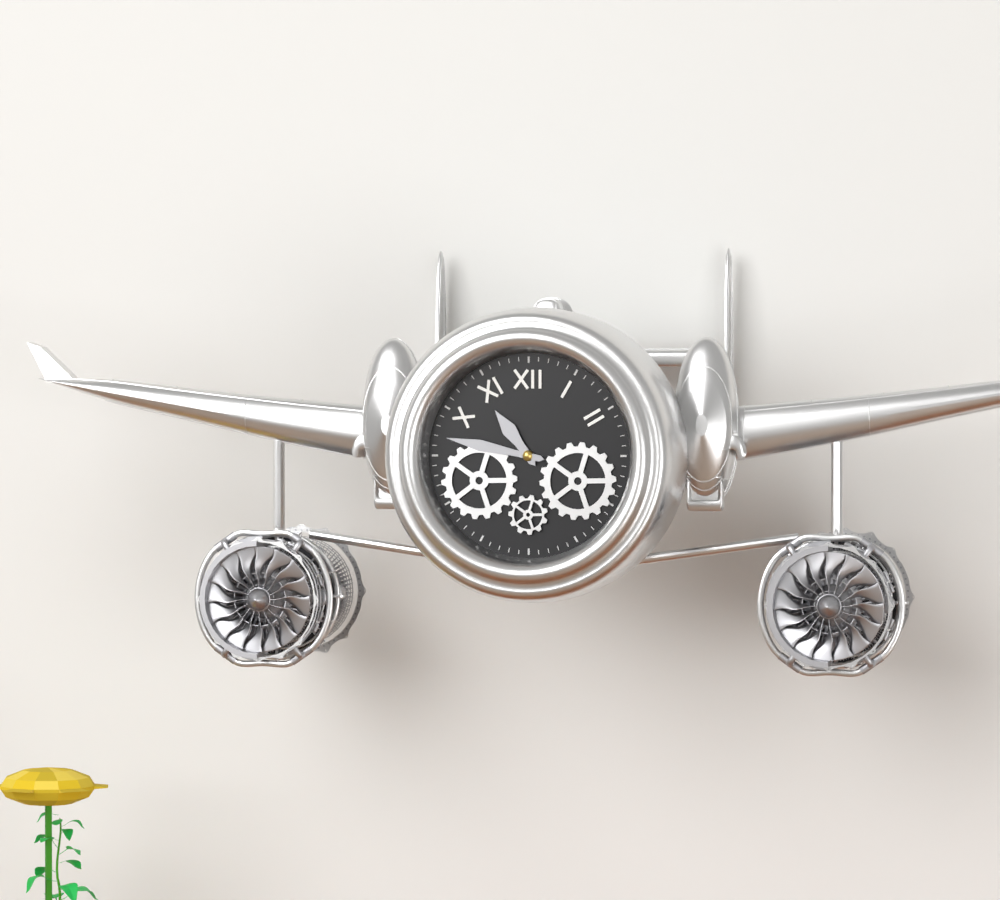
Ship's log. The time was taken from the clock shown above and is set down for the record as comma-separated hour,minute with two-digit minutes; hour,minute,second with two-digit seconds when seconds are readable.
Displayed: 10,47
